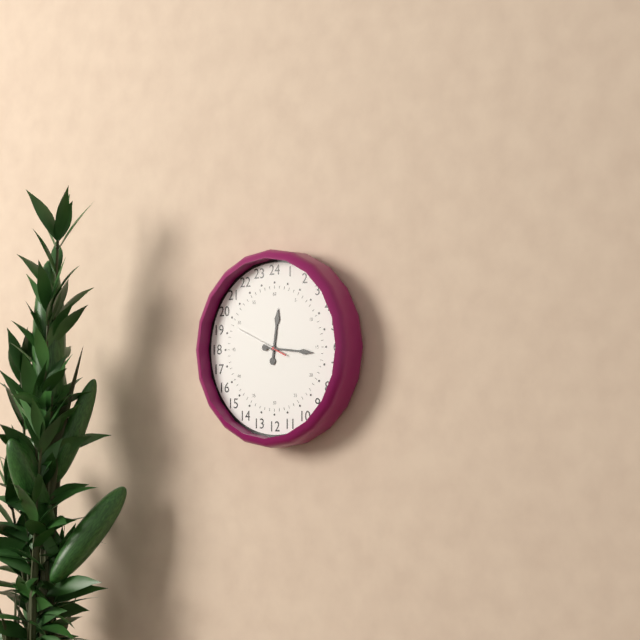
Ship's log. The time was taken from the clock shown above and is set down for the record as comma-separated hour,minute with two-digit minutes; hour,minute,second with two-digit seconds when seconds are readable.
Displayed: 12,16,49
